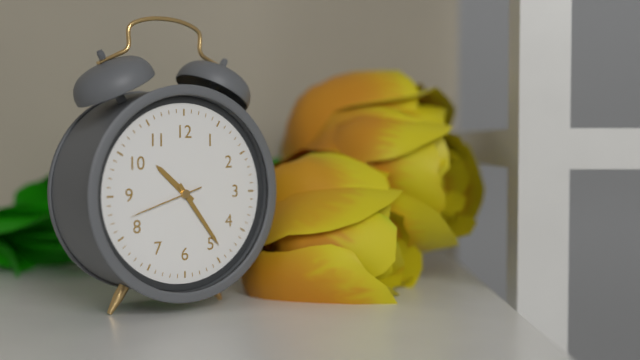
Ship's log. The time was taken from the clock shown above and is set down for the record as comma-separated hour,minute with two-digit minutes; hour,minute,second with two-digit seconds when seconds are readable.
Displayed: 10,24,42
